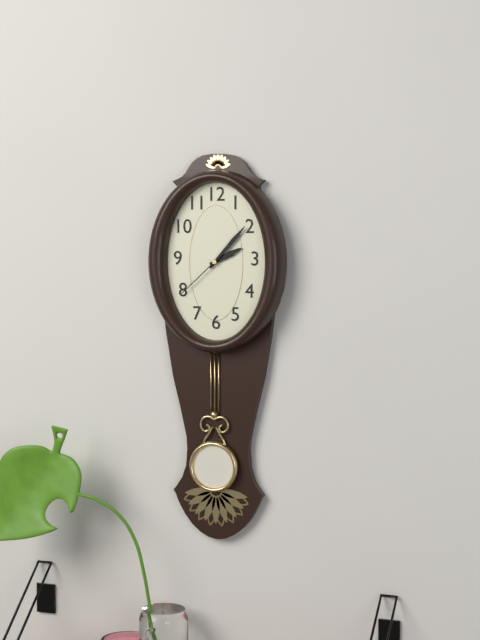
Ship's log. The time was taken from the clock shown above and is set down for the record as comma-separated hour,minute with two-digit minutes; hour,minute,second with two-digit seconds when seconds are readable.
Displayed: 2,07,38
